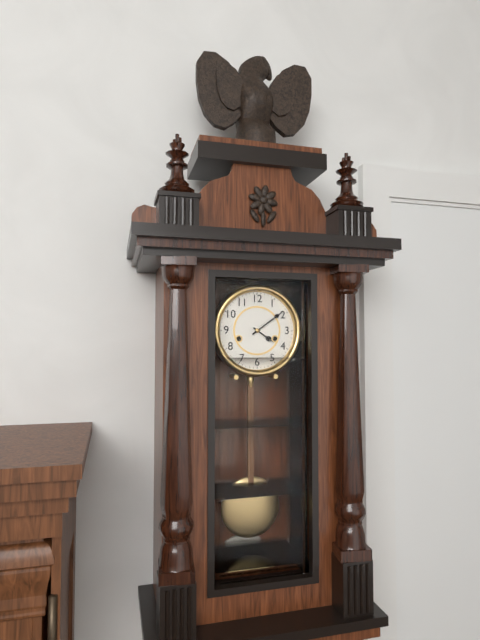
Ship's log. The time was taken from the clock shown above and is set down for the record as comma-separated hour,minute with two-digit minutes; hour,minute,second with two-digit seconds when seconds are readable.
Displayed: 4,09
